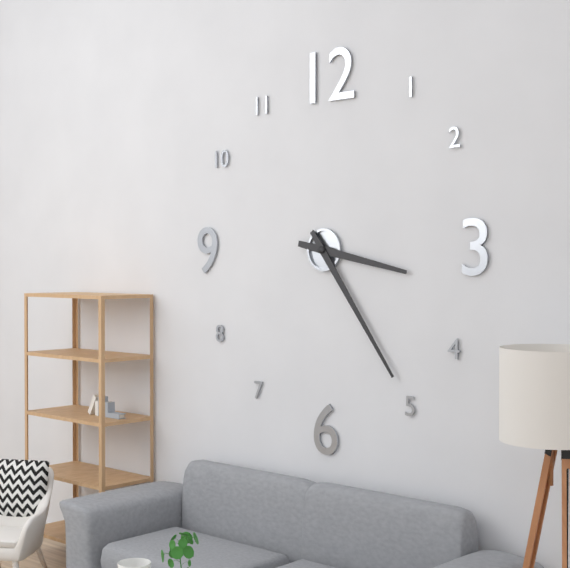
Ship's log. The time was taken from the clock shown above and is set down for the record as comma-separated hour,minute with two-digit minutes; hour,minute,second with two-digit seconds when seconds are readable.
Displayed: 3,24
